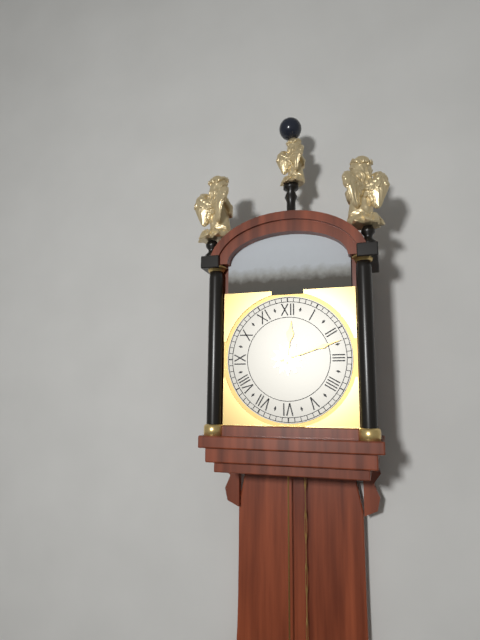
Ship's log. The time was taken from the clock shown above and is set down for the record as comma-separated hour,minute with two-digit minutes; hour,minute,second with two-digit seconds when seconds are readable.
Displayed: 12,12
